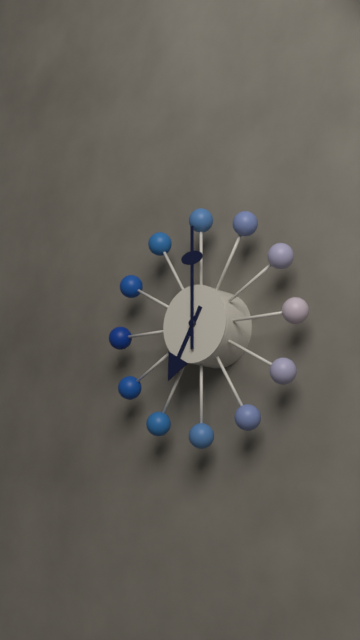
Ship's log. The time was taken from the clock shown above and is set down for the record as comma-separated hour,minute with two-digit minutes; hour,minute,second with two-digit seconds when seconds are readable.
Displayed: 7,00
